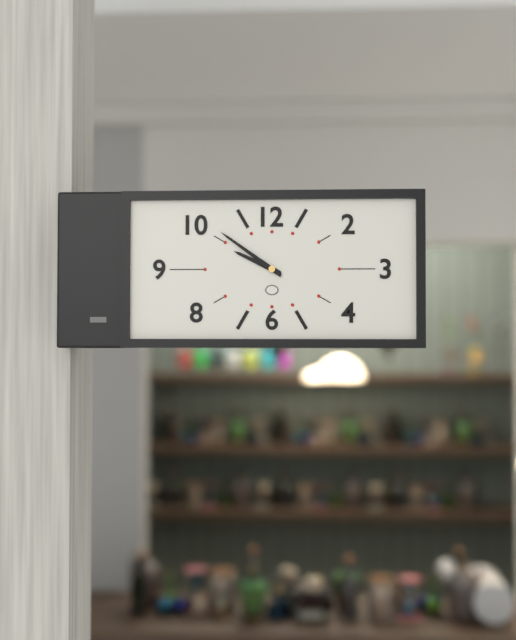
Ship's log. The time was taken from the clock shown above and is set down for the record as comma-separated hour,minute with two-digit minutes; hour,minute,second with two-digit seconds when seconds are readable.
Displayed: 9,51
